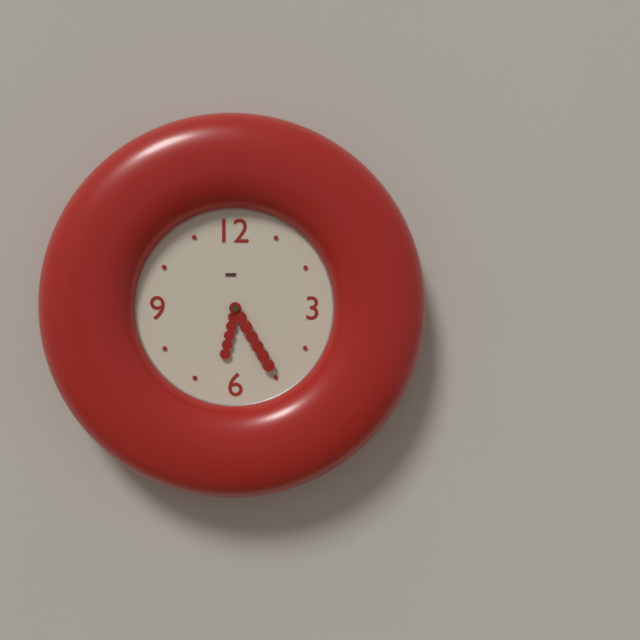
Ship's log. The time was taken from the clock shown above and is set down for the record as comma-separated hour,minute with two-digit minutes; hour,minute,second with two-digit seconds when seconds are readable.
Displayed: 6,25
